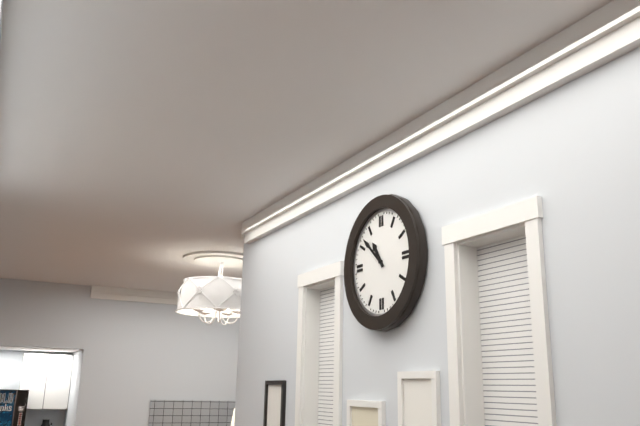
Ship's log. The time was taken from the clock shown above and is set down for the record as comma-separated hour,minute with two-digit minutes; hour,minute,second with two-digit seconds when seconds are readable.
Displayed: 10,52
